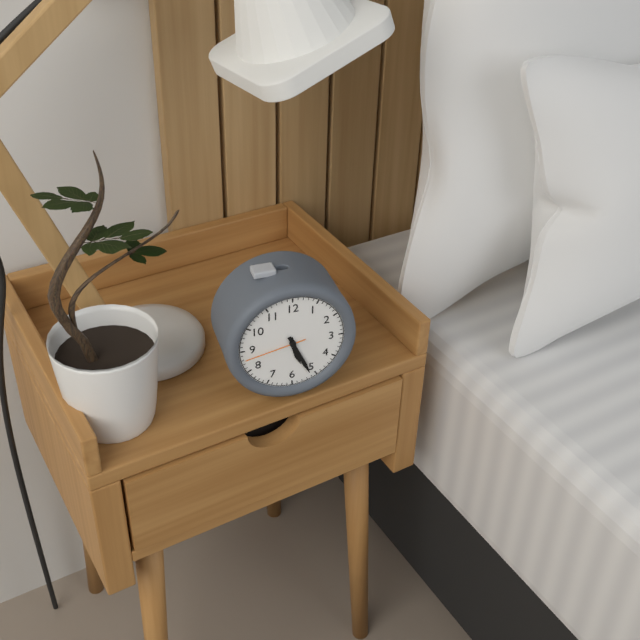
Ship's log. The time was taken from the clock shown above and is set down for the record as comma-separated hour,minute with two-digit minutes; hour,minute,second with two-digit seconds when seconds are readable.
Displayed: 5,26,43
